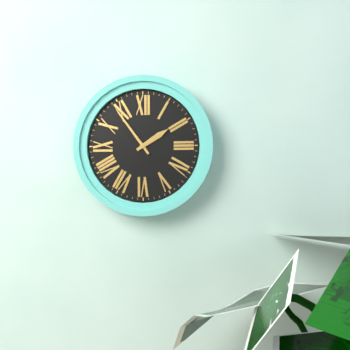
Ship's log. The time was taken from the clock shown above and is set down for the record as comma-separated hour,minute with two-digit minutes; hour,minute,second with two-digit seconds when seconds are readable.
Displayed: 1,54
